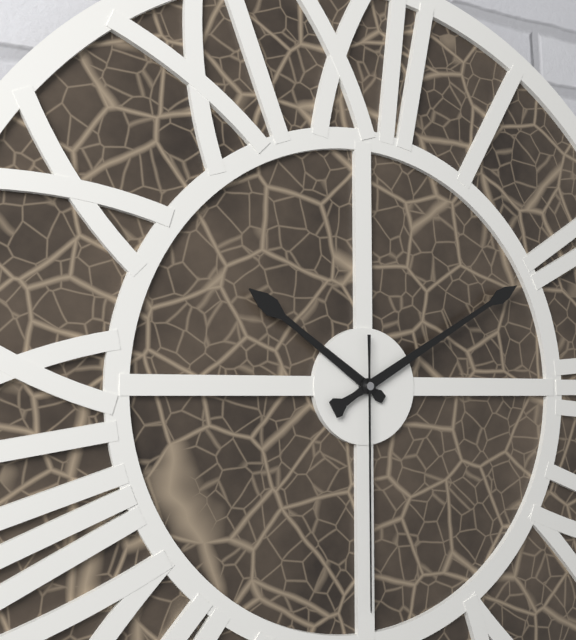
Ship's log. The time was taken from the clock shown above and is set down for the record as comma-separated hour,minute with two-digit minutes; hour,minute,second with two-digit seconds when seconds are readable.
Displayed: 10,10,30
